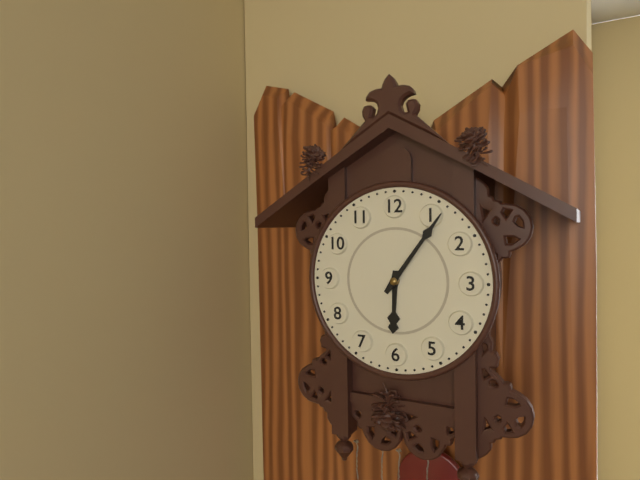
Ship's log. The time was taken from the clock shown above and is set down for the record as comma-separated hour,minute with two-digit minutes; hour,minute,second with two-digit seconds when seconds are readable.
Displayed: 6,06
